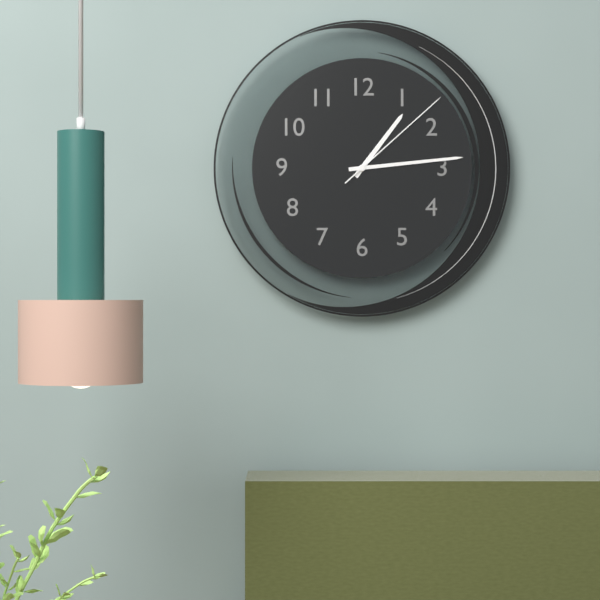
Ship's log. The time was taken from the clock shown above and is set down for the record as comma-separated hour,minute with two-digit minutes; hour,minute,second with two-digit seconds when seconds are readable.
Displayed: 1,14,08
